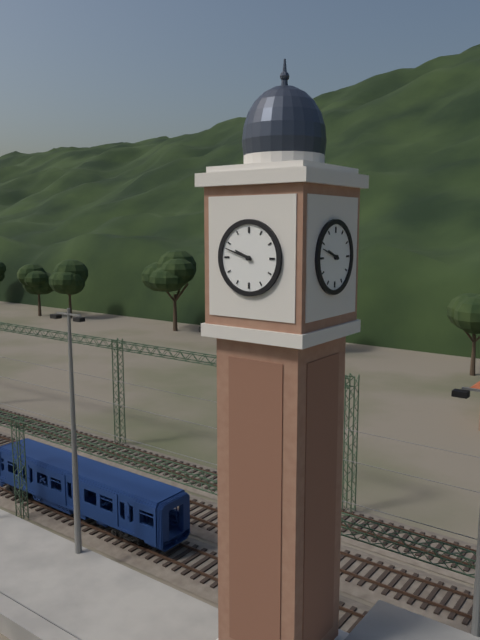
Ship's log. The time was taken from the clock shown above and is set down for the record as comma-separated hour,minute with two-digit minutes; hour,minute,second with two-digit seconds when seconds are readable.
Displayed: 9,48
